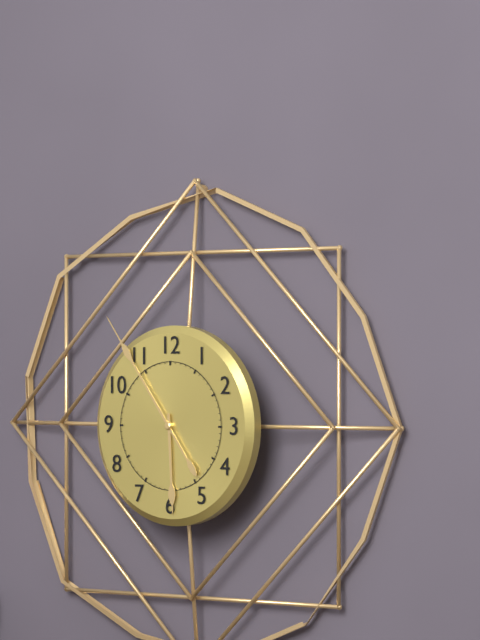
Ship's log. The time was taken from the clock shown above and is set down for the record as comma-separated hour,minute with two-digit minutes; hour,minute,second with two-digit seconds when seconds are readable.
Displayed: 5,54
